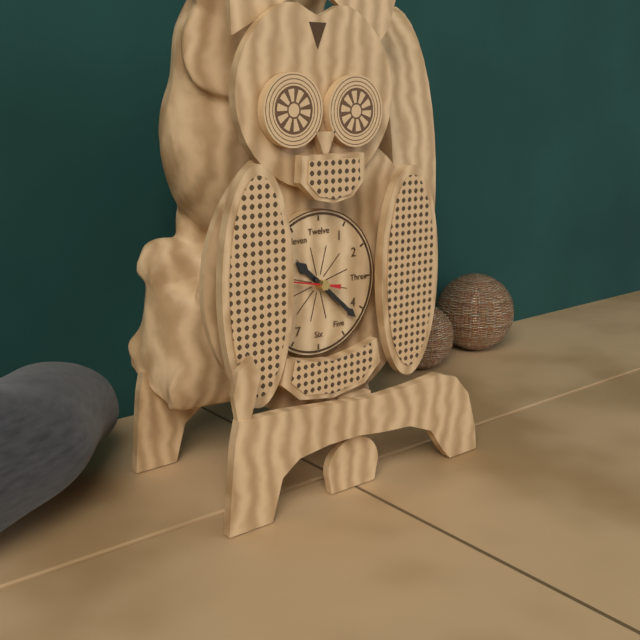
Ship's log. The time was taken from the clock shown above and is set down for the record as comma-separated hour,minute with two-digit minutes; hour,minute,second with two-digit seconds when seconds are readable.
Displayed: 10,22
